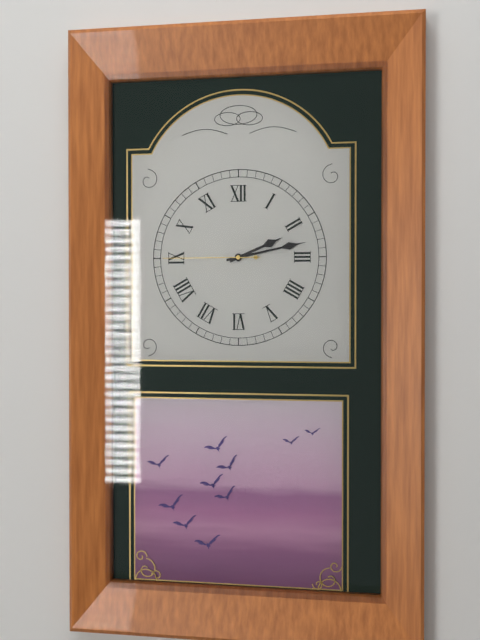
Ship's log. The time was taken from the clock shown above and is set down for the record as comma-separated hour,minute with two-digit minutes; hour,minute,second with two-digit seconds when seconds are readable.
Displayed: 2,13,45
